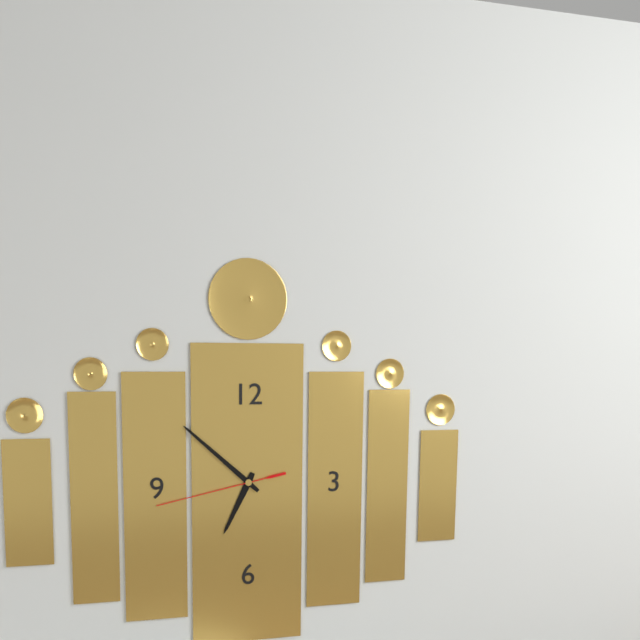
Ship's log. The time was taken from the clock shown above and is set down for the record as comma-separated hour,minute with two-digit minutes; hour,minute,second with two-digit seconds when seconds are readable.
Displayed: 6,52,43
